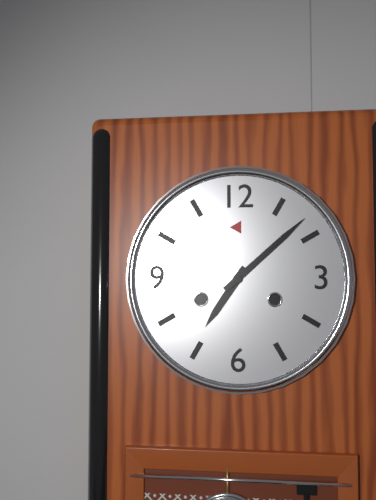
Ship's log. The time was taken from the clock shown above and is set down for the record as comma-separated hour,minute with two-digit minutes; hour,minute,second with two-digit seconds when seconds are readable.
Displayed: 7,08
